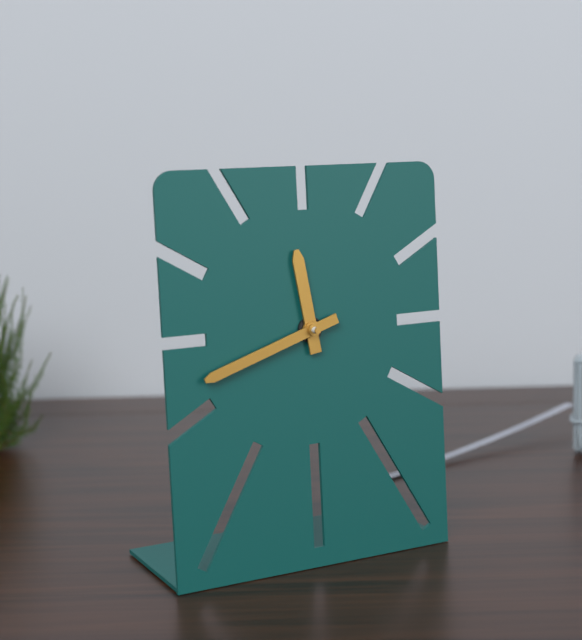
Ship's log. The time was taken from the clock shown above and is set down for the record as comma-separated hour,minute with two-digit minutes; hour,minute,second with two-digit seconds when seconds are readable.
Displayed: 11,42
